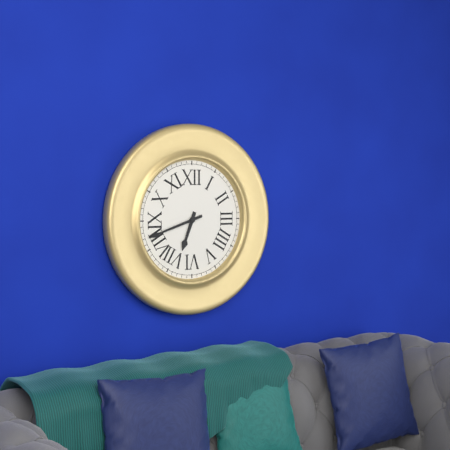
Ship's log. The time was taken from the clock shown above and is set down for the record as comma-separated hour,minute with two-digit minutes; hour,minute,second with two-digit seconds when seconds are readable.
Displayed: 6,42
